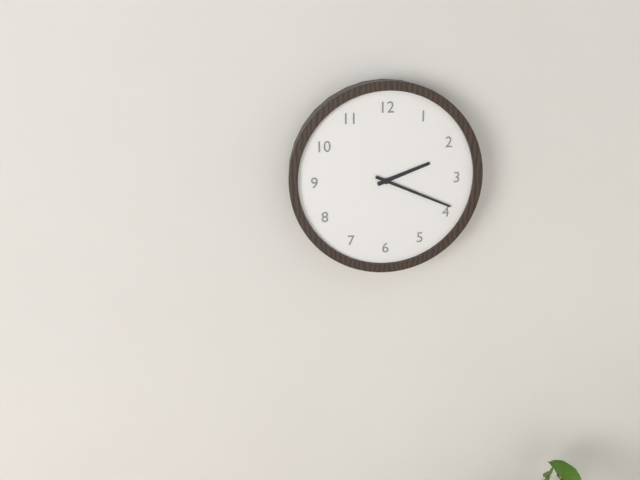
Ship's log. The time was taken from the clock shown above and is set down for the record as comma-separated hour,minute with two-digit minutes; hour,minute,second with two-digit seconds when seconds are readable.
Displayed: 2,19
